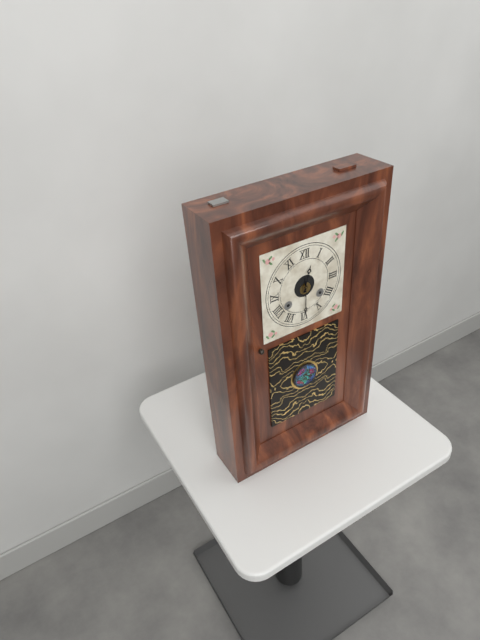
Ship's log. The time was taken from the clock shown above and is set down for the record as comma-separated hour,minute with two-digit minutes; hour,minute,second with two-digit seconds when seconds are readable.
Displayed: 12,30
